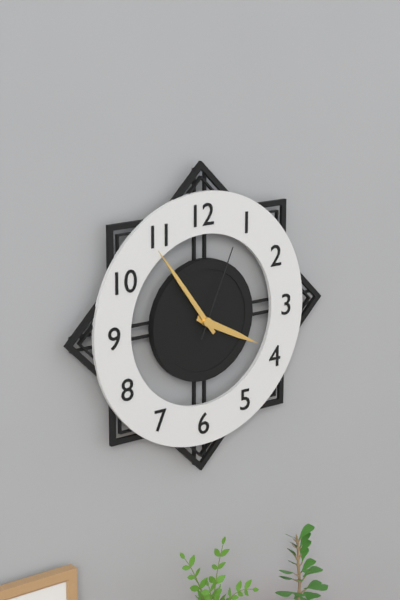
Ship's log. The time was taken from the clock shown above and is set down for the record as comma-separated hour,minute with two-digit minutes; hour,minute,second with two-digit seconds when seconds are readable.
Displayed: 3,54,04
